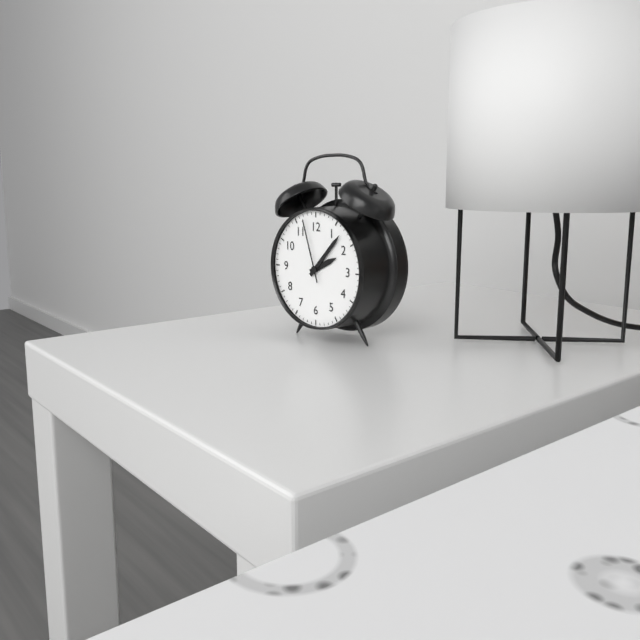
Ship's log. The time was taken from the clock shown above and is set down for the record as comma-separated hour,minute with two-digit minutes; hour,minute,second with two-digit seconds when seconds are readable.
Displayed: 2,07,57
